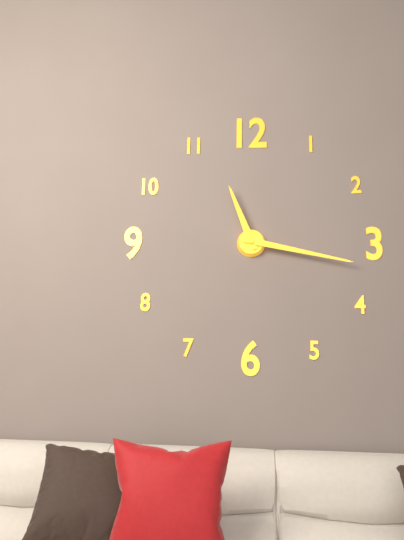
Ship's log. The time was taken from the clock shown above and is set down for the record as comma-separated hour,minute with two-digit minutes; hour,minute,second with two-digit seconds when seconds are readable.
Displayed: 11,17
